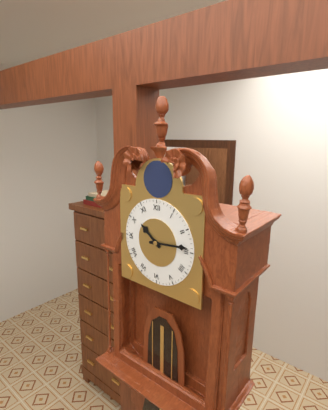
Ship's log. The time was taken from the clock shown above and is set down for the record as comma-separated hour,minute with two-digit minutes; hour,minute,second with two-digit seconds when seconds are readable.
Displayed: 10,14
